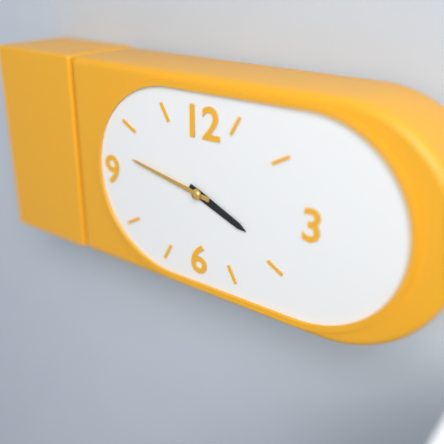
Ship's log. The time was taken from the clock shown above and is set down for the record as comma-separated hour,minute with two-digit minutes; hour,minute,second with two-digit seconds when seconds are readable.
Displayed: 3,47
